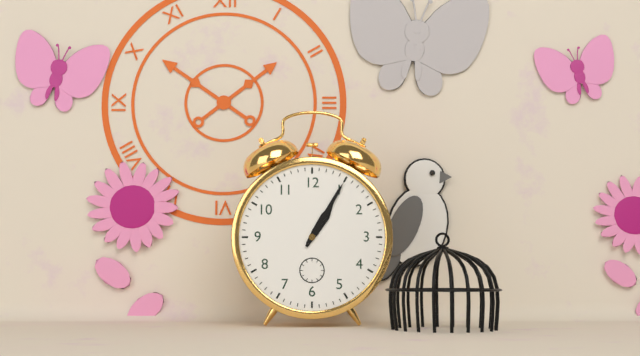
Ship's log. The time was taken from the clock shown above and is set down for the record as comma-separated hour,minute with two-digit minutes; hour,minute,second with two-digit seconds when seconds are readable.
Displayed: 1,05
